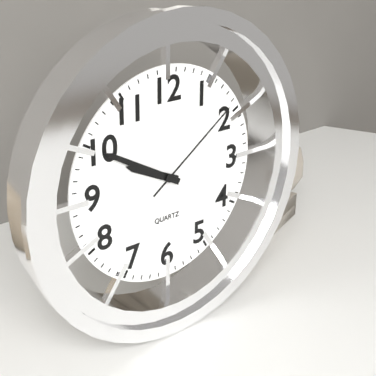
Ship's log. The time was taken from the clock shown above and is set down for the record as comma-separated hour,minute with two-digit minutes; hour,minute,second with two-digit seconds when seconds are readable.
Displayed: 9,50,09
